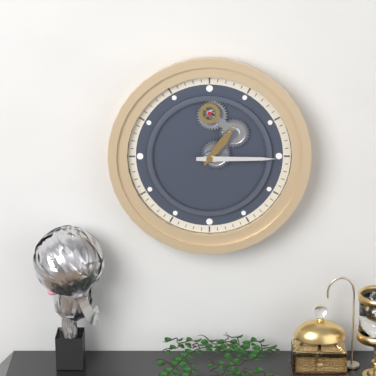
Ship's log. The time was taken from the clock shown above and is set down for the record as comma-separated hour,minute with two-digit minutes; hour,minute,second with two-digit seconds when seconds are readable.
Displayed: 1,15
